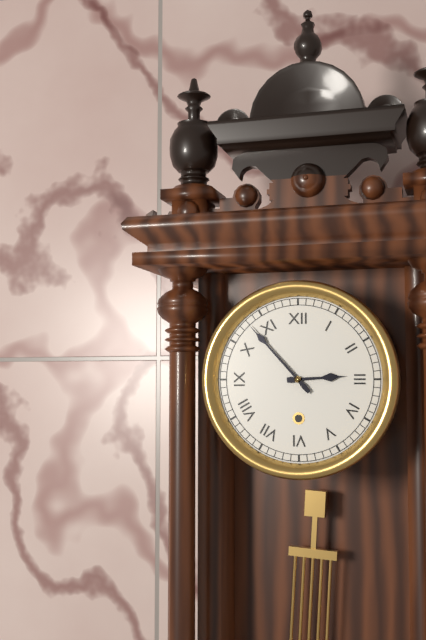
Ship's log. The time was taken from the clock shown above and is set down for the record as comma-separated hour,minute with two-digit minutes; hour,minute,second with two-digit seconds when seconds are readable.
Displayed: 2,53
